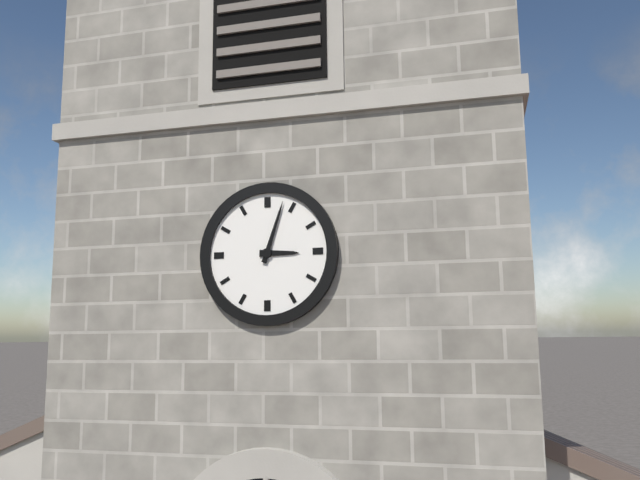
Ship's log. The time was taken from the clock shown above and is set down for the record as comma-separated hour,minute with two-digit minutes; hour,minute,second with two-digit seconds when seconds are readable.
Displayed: 3,03
